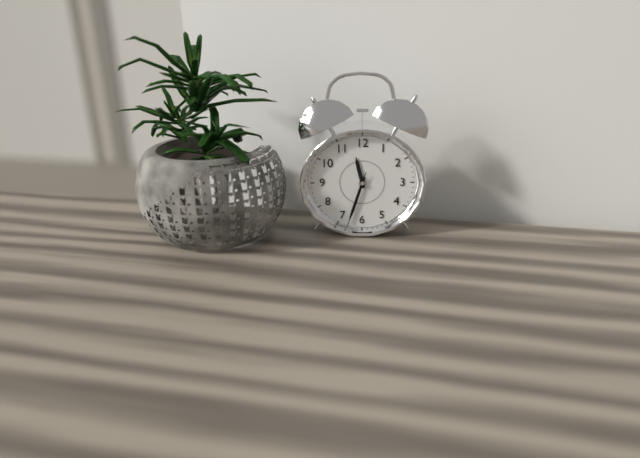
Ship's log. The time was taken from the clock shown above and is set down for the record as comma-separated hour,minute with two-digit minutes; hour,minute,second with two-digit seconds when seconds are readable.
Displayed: 11,33,33
